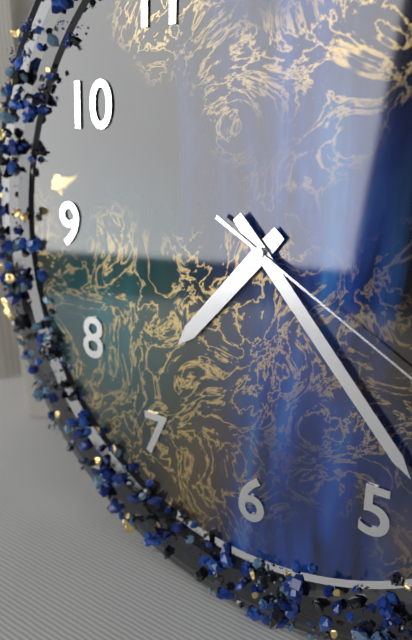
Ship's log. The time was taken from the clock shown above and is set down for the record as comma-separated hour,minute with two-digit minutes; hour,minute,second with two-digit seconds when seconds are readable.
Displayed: 7,23
